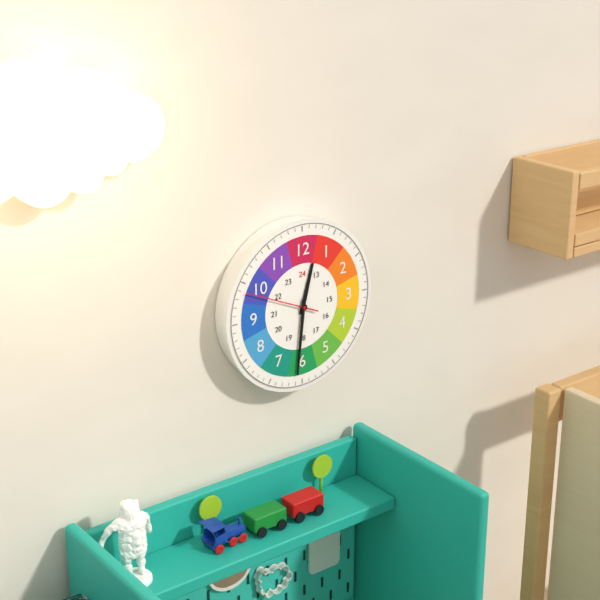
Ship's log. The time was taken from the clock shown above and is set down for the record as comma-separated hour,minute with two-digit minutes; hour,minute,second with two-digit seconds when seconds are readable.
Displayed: 12,31,49
